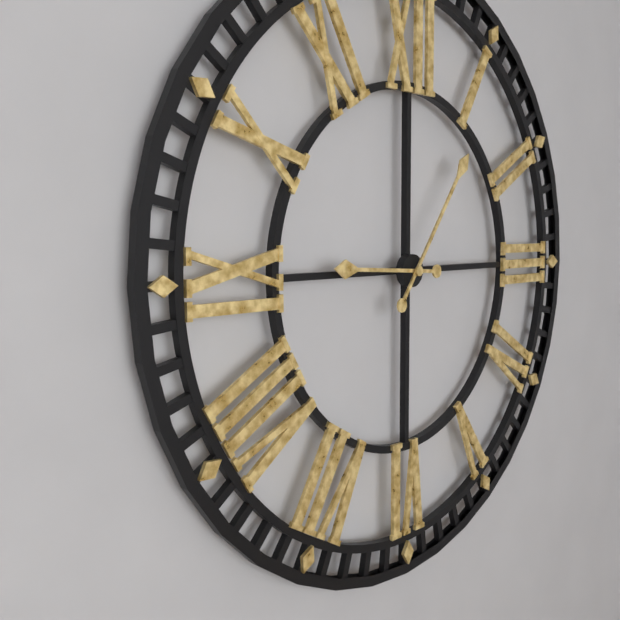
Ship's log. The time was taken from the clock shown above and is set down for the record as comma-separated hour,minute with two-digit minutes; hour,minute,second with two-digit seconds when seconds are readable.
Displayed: 9,06
